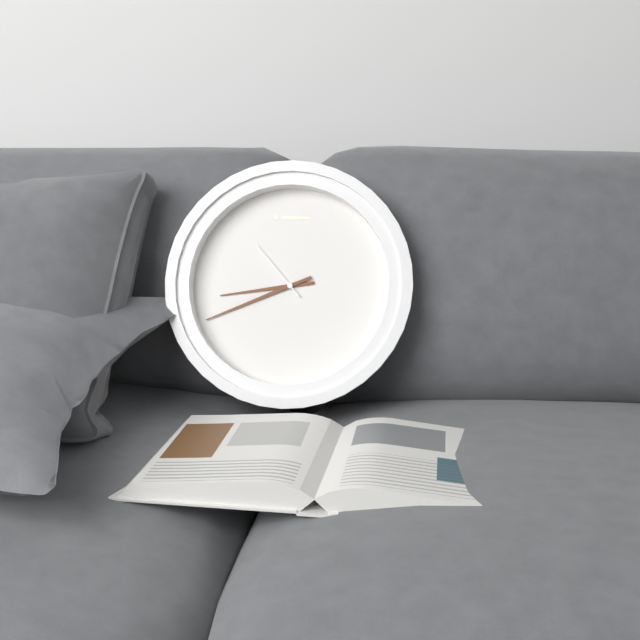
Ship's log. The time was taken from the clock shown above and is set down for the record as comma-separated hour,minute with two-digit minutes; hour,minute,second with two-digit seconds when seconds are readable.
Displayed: 8,41,53
